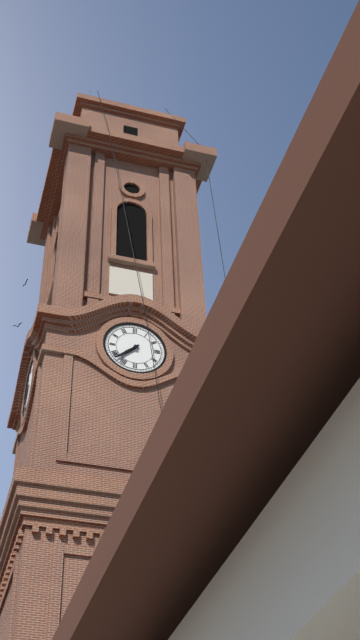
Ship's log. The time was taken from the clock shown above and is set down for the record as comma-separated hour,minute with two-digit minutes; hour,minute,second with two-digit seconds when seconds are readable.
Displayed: 7,38
